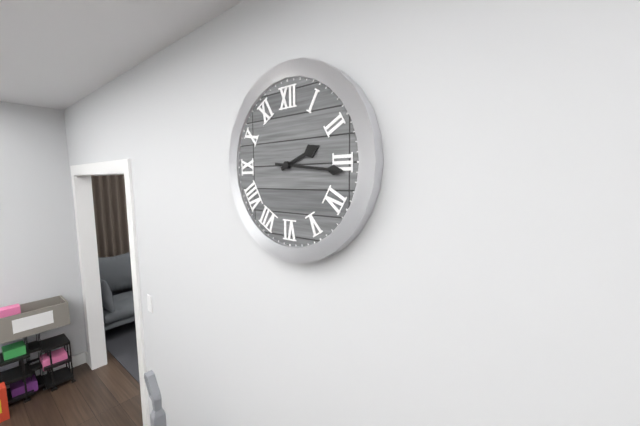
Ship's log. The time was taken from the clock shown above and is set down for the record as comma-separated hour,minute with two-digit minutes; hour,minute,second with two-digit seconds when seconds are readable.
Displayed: 2,16
